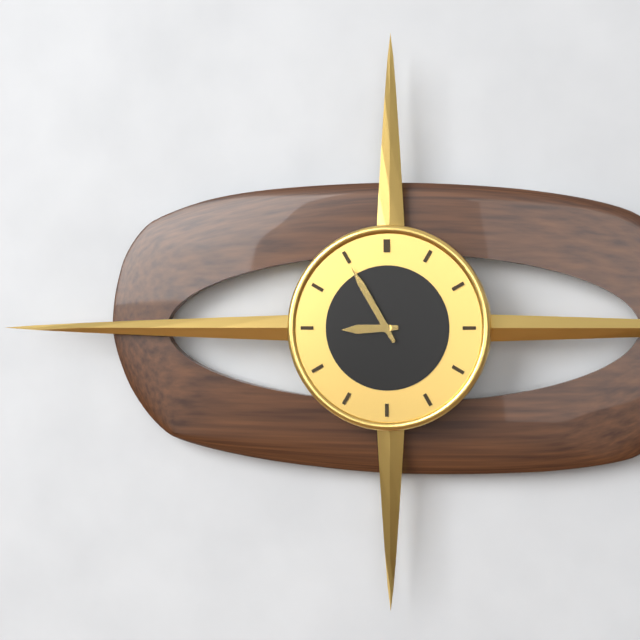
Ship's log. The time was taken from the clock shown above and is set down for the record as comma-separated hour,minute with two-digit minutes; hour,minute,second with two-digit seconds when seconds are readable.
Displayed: 8,55
